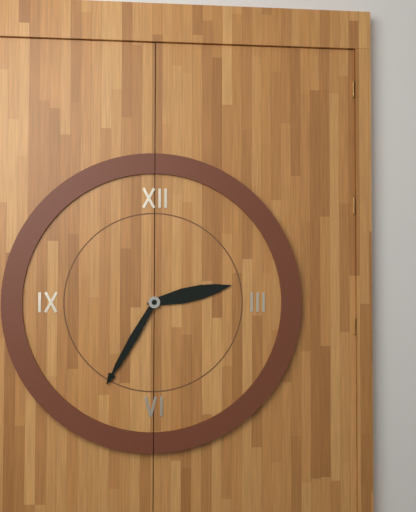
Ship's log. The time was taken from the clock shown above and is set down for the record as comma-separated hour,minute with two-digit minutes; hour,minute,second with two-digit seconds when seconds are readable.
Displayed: 2,35
